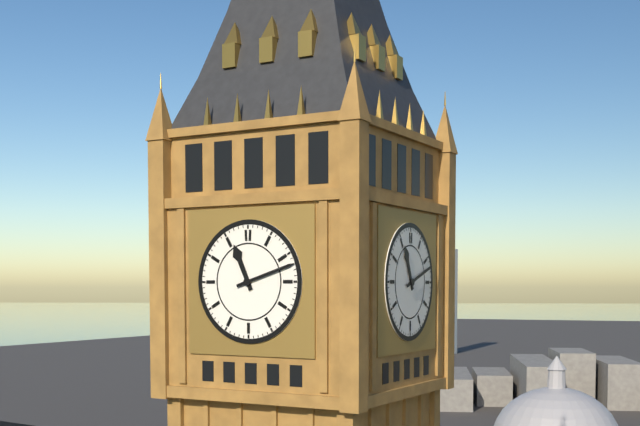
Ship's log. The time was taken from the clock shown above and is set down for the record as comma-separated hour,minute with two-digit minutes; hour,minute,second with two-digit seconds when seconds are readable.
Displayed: 11,12
